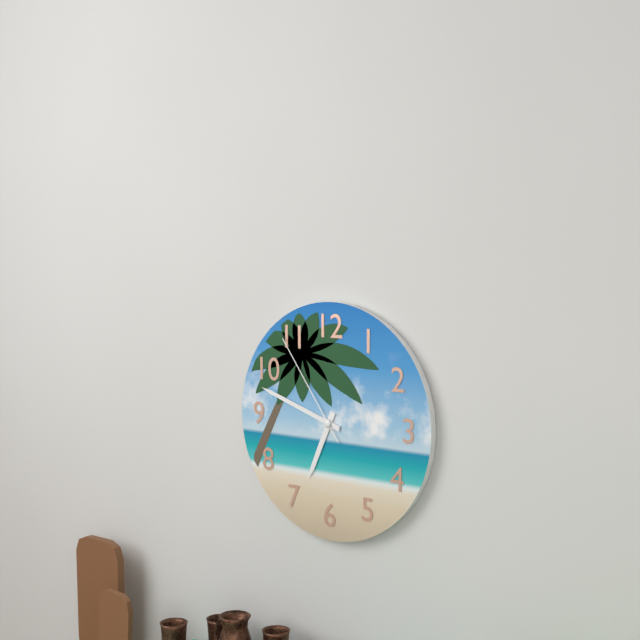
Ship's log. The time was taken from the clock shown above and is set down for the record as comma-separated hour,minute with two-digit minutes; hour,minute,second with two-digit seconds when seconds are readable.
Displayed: 6,48,54
